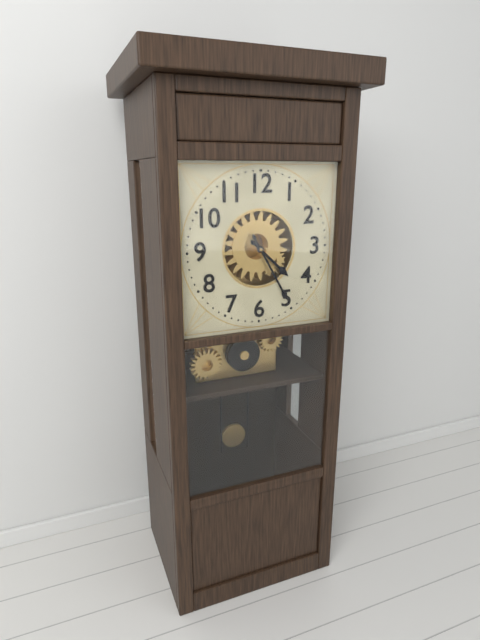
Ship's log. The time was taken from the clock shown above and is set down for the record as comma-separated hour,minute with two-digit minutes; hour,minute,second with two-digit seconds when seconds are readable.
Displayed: 4,25
